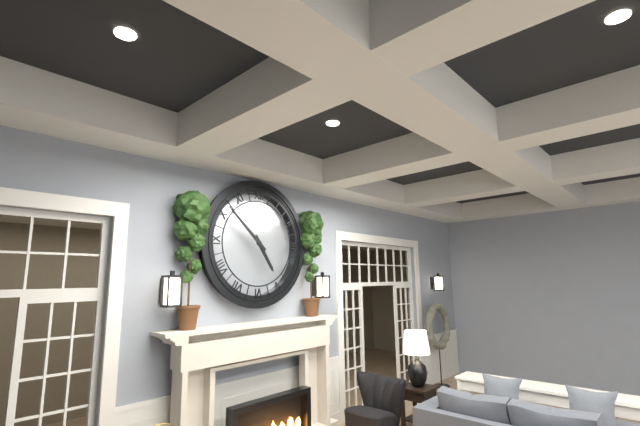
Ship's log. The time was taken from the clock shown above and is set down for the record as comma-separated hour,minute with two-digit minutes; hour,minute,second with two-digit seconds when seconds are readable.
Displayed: 4,52
